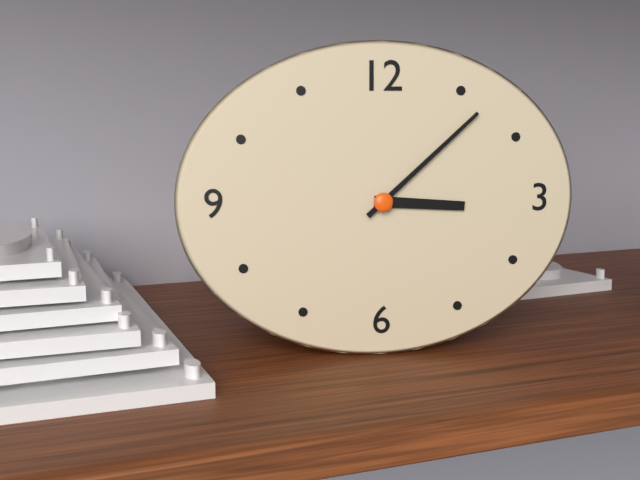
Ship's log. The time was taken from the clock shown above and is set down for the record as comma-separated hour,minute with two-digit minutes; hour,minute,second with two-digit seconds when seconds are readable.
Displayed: 3,08
